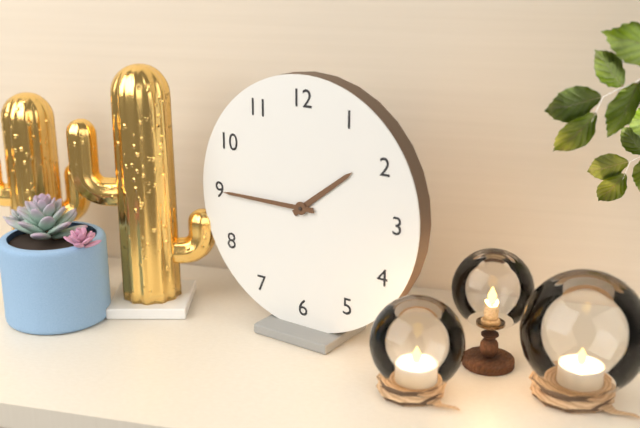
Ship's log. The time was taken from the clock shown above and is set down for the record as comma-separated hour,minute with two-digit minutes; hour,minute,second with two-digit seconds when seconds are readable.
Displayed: 1,45
